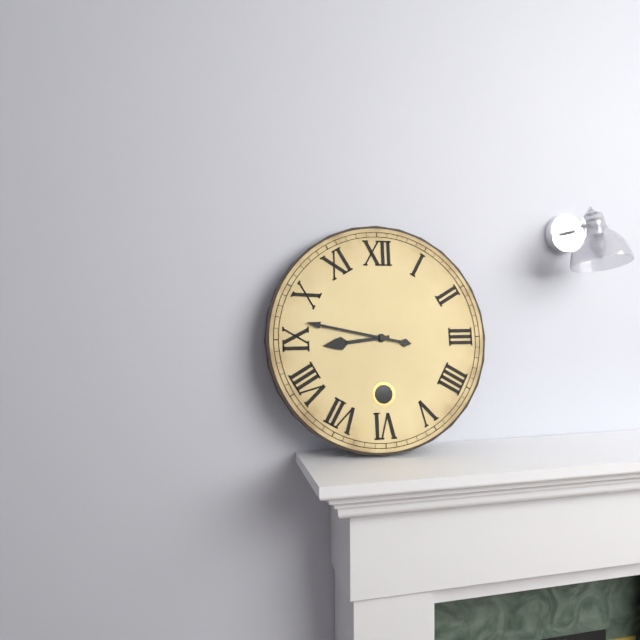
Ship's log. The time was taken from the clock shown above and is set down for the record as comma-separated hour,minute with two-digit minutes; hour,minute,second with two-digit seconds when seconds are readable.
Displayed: 8,47
